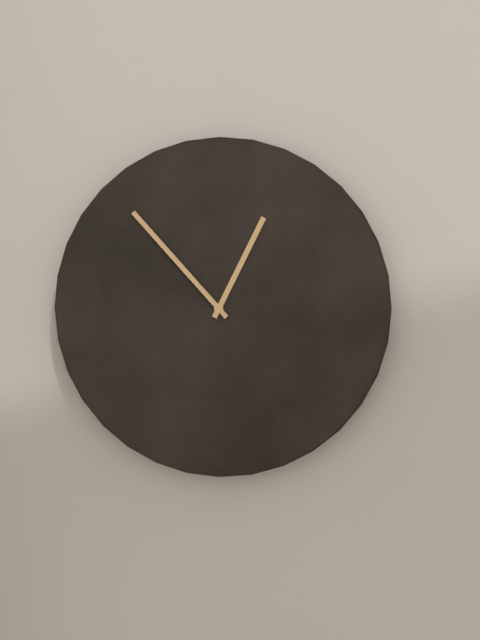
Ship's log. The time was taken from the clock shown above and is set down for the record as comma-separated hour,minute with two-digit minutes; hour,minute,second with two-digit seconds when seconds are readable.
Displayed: 12,53
